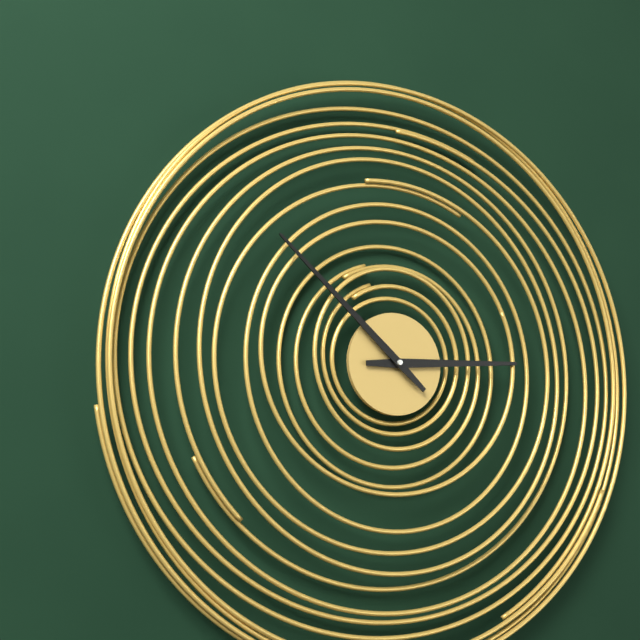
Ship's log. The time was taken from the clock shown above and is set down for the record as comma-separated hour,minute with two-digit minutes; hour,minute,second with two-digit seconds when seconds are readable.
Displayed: 2,52
